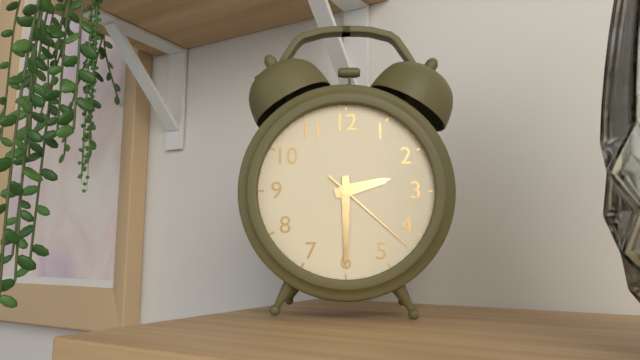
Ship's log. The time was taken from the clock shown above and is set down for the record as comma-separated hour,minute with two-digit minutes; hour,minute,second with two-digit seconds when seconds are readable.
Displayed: 2,30,22
